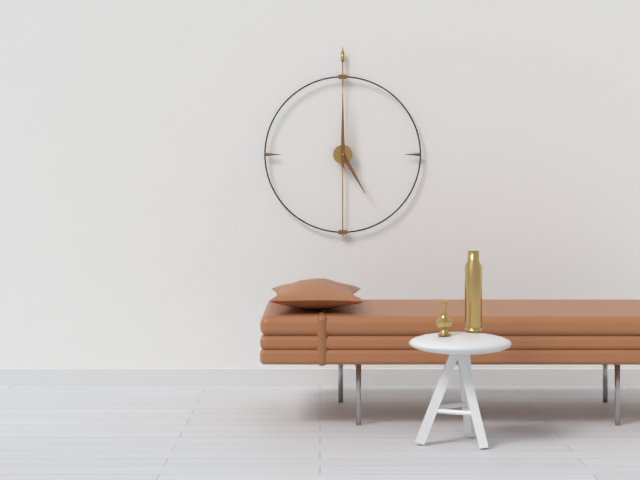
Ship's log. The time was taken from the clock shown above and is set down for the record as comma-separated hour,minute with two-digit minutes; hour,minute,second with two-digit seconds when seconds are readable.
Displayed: 5,00
